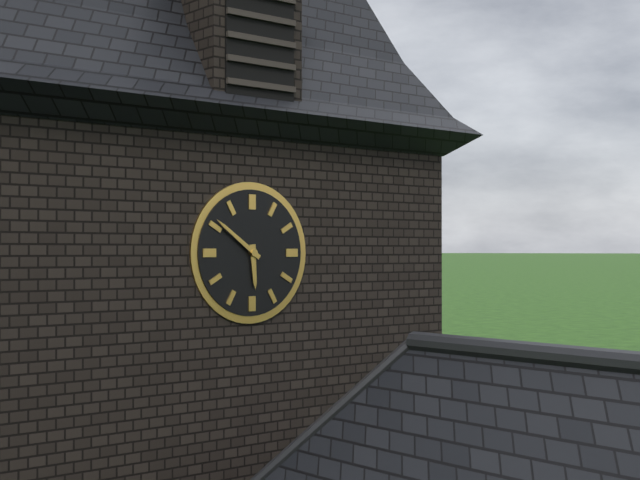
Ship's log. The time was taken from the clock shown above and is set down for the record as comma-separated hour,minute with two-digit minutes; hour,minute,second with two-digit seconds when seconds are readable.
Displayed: 5,51
